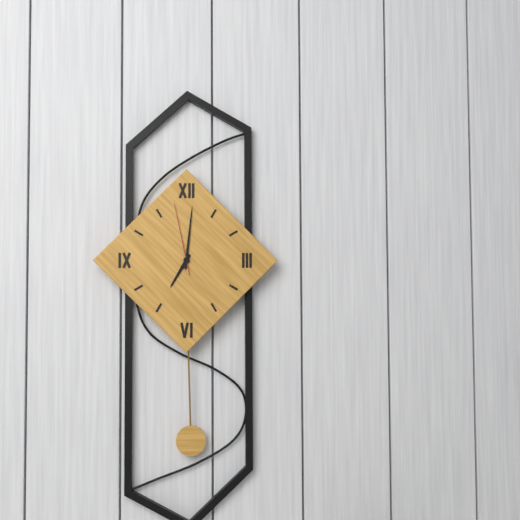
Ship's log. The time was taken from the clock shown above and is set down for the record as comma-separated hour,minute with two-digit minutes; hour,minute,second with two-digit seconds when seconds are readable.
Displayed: 7,01,58
